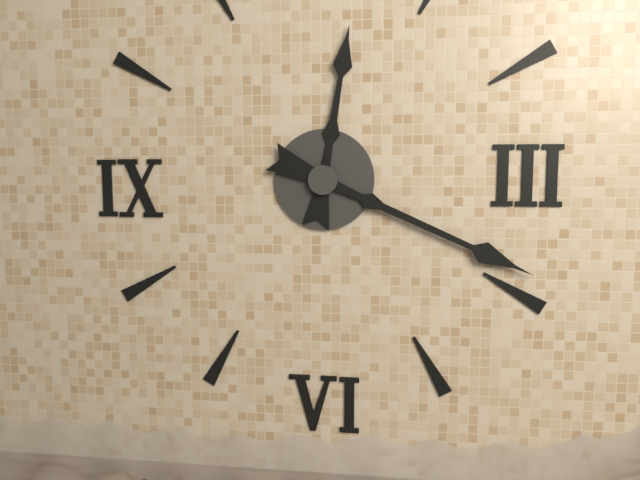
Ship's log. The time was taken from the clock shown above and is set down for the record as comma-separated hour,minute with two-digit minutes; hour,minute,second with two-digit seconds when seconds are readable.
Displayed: 12,19
